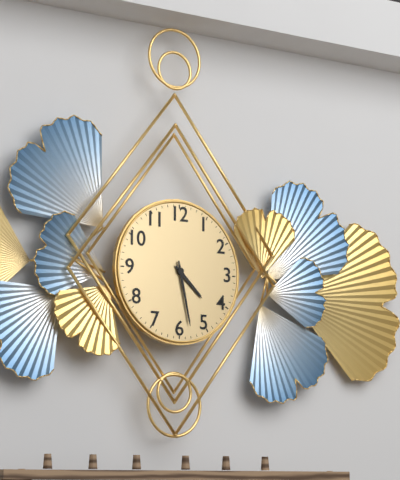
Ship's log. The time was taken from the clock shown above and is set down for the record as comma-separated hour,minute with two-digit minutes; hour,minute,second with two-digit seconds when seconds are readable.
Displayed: 4,28
